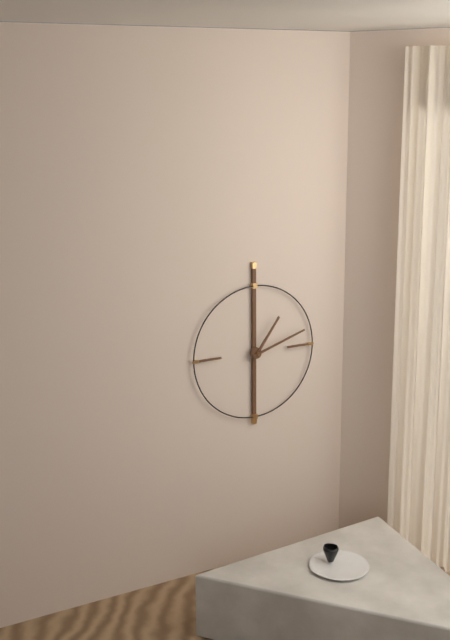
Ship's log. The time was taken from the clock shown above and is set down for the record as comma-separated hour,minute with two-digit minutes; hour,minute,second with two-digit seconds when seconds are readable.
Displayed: 1,12
